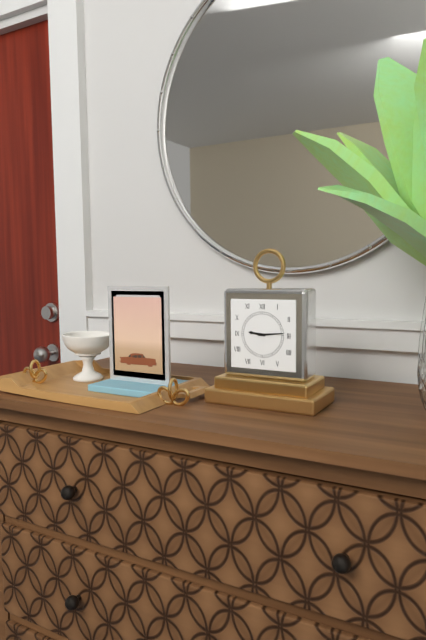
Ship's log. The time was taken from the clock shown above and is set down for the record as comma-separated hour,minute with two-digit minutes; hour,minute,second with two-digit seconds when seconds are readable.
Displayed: 9,14
